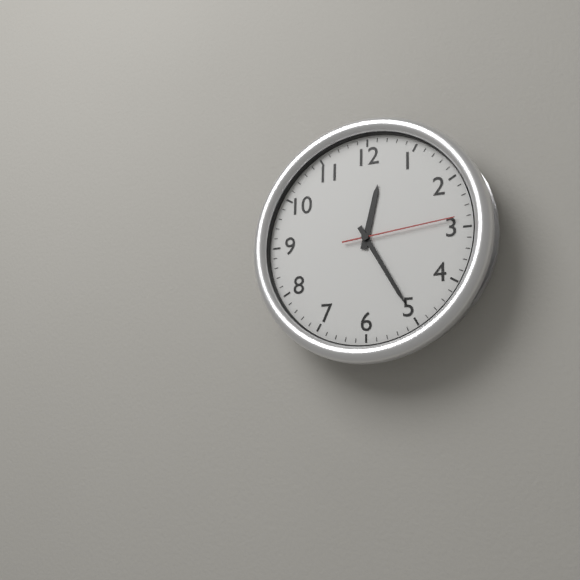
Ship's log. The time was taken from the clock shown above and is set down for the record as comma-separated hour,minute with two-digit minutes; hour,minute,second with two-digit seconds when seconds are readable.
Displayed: 12,25,14
